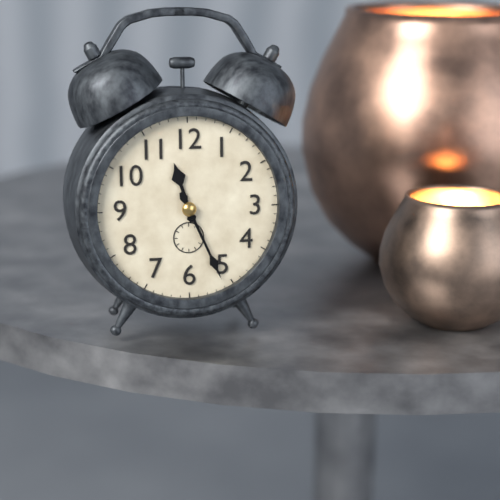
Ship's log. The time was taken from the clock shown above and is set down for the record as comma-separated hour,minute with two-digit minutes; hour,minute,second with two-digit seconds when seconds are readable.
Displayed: 11,26
